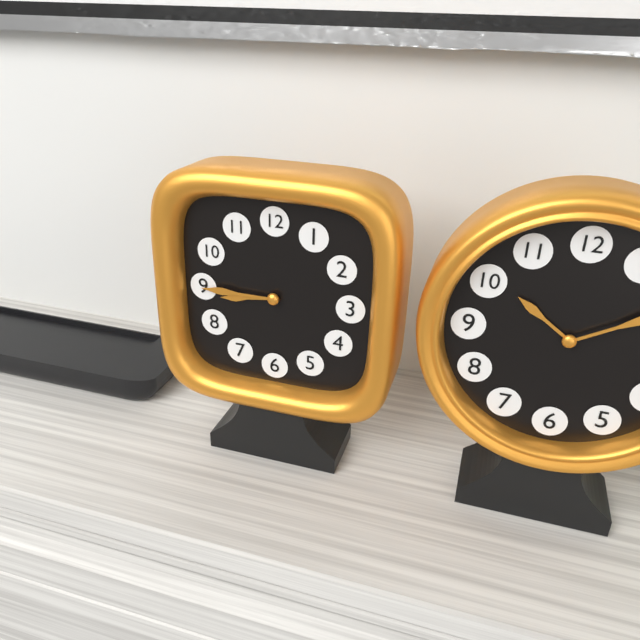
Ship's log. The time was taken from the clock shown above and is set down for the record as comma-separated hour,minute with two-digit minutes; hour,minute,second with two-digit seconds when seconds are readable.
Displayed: 8,45
